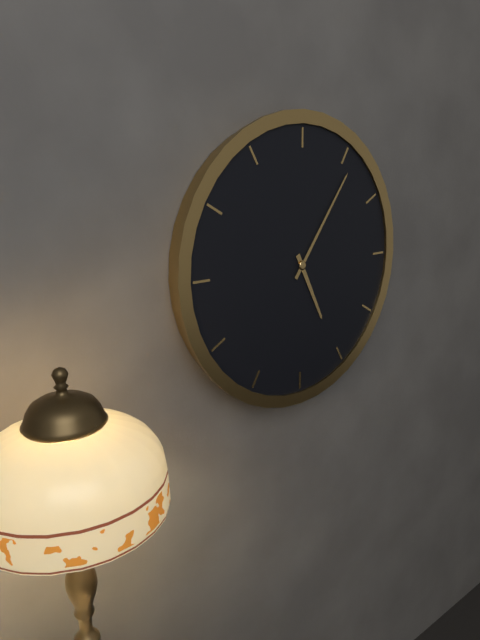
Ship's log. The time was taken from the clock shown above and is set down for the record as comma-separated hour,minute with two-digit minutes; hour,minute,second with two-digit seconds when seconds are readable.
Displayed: 5,06
